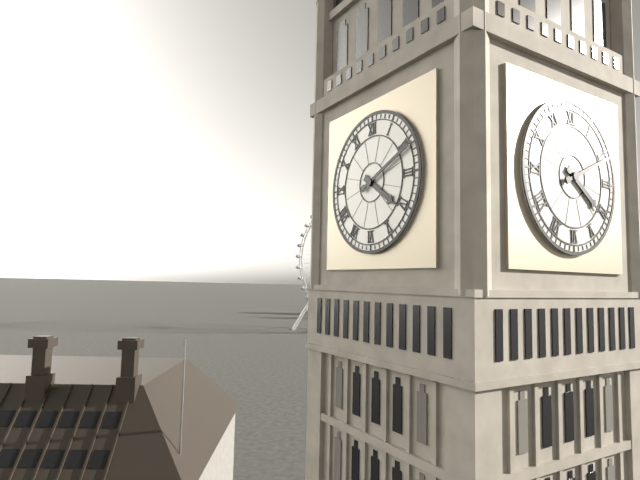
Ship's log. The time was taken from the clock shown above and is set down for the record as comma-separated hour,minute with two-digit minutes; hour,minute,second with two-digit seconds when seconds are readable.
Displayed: 4,11
